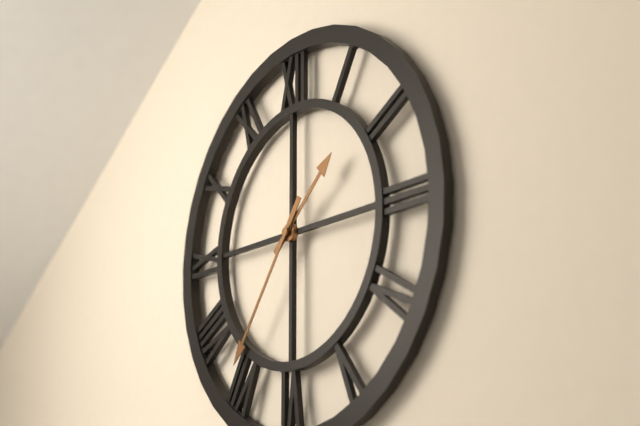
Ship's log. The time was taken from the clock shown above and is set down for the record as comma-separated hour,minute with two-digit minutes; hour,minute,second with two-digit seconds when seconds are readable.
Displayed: 1,36
